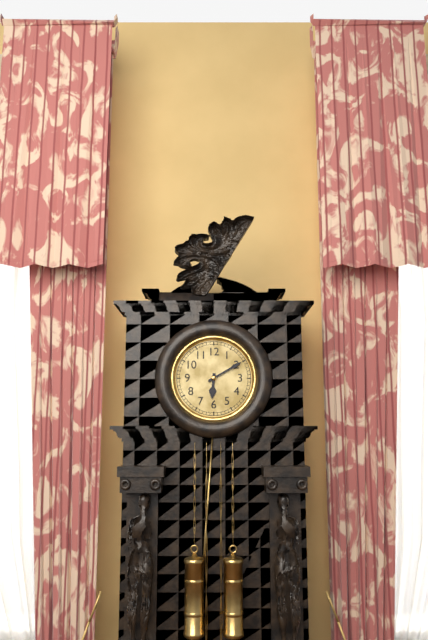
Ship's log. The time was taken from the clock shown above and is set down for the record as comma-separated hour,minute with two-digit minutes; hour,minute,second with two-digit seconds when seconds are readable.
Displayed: 6,10
